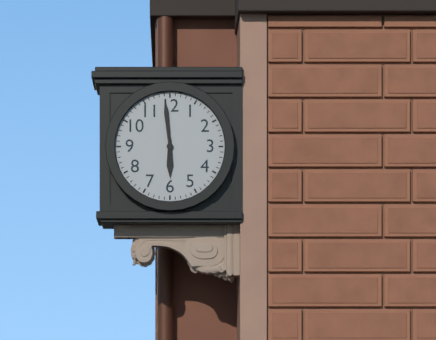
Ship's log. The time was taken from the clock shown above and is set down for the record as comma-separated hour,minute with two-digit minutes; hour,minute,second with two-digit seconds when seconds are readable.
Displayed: 5,59
